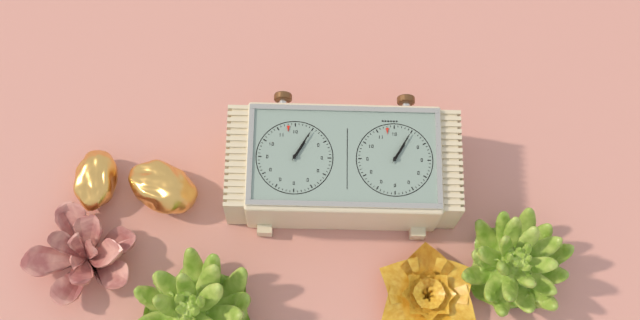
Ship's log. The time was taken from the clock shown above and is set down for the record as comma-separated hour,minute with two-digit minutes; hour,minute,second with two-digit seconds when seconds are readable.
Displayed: 1,05
